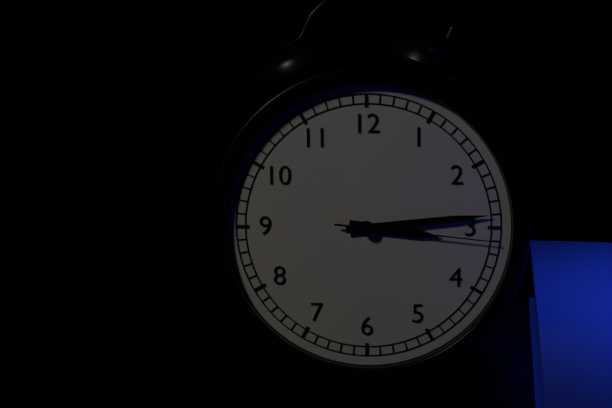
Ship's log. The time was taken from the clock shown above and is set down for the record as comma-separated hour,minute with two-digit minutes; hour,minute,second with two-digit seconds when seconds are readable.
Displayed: 3,14,16
